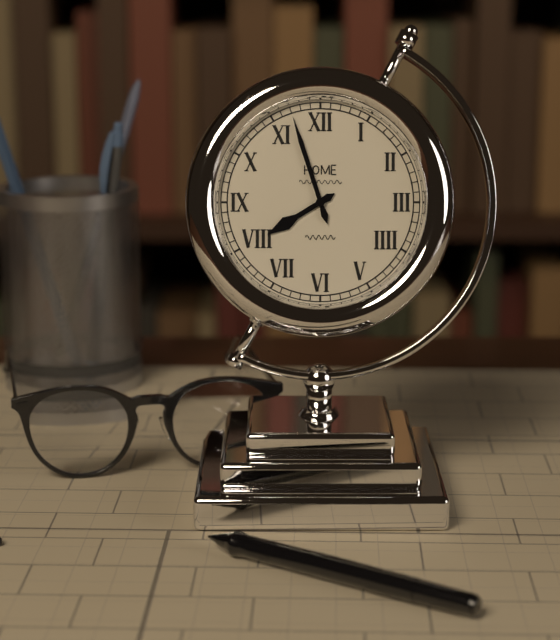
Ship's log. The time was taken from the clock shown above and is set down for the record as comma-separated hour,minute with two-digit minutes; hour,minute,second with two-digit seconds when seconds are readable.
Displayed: 7,57
